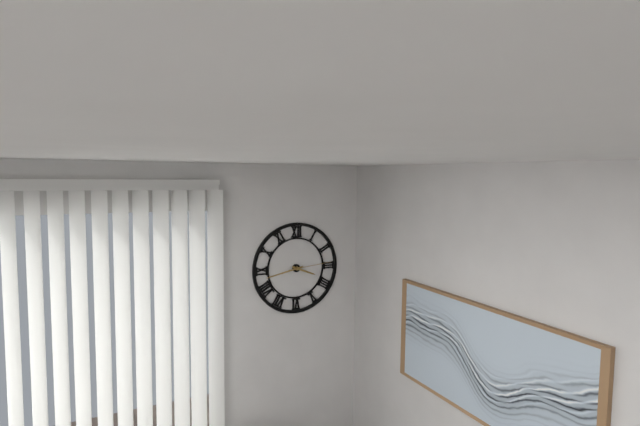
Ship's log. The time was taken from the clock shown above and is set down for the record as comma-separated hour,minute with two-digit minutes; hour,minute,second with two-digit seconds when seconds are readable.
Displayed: 3,43
